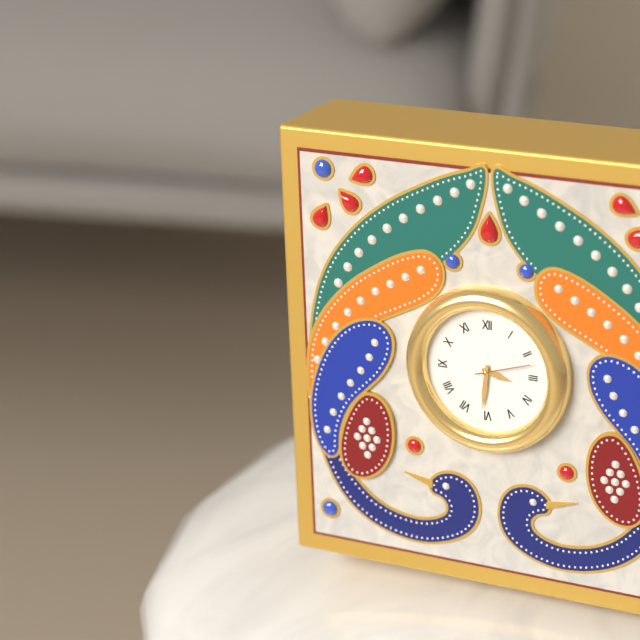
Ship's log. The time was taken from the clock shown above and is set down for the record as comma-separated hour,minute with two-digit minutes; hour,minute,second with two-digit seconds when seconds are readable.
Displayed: 3,31,12
